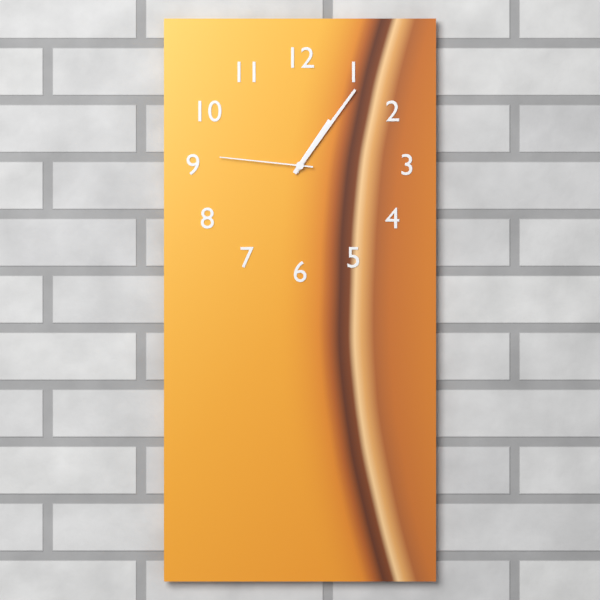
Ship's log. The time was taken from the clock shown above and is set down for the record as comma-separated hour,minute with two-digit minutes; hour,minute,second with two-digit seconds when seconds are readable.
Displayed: 1,06,46
